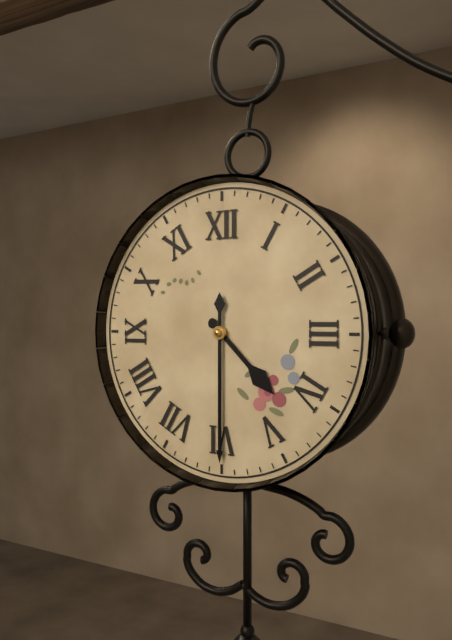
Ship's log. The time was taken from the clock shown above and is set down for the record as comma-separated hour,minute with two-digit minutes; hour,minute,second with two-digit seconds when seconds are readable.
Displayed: 4,30
